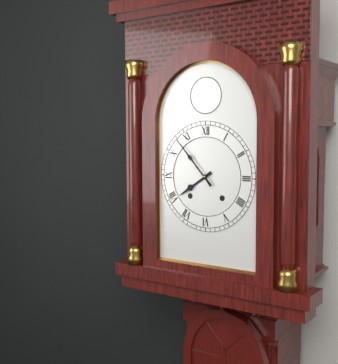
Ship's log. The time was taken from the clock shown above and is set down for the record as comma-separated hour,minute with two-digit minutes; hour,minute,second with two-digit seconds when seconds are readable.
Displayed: 7,53
